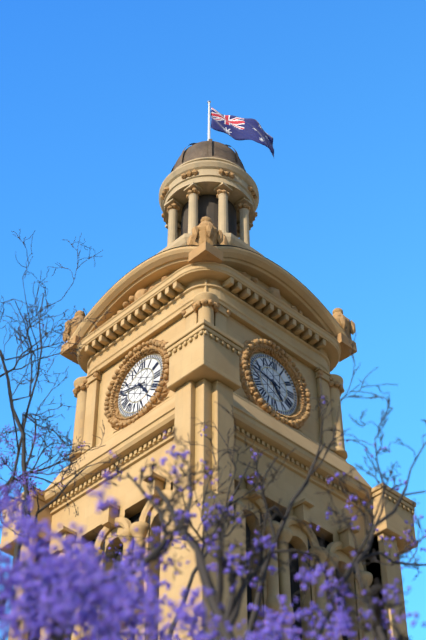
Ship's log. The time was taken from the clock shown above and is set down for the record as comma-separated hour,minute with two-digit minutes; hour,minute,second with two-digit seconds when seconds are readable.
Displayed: 4,47
